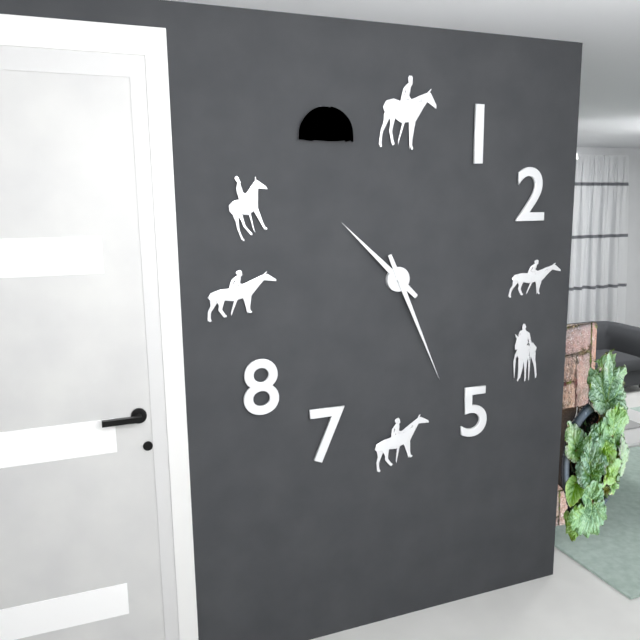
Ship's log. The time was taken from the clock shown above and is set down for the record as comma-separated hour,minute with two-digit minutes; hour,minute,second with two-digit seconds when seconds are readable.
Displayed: 10,26
